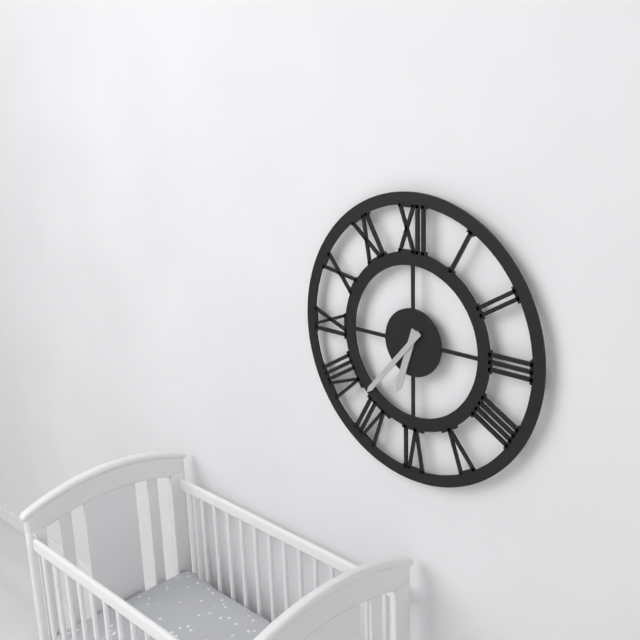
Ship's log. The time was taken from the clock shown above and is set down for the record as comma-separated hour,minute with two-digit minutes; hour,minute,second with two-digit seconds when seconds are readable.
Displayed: 6,37
